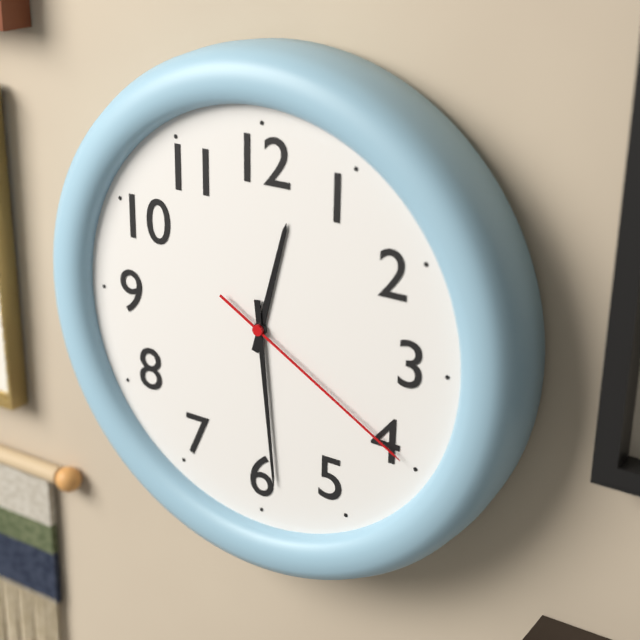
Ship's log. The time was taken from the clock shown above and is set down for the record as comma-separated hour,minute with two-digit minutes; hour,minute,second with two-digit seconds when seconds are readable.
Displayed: 12,29,20
